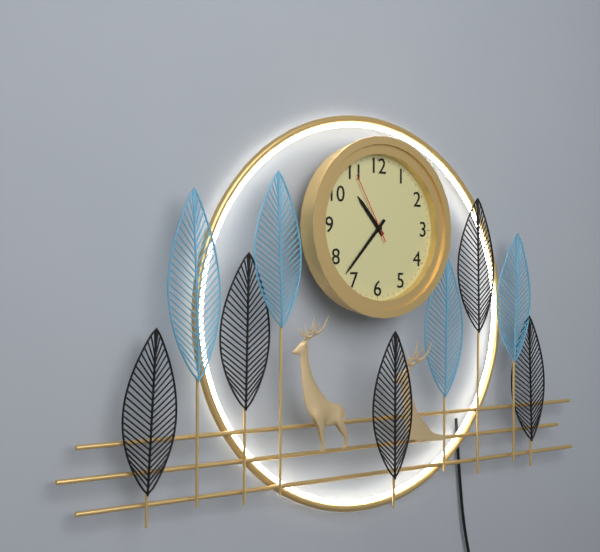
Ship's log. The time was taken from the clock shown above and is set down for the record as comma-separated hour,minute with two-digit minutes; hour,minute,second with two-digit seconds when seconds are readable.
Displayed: 10,37,55
